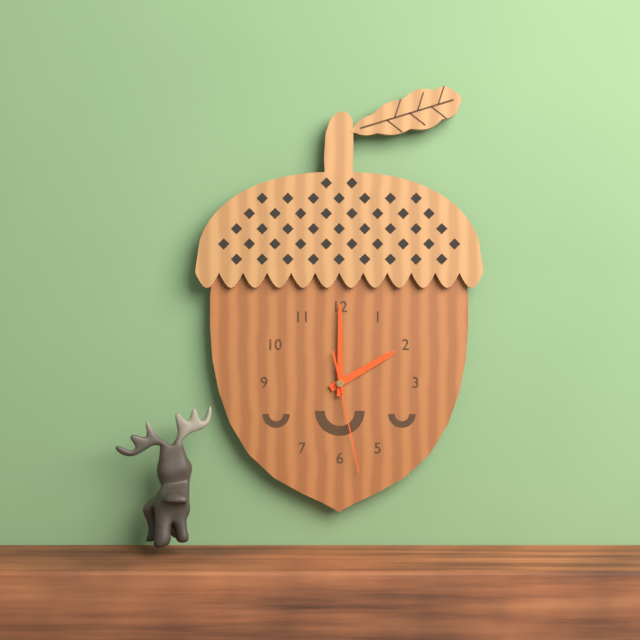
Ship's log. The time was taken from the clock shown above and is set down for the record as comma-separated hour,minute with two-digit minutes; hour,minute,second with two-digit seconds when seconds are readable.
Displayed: 2,00,28
